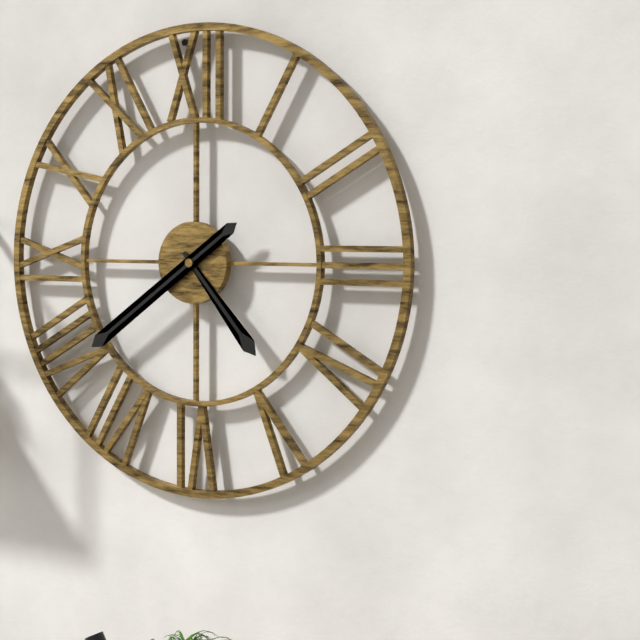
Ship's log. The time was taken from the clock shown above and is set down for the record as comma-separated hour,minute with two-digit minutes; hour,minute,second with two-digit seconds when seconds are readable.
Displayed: 4,39
